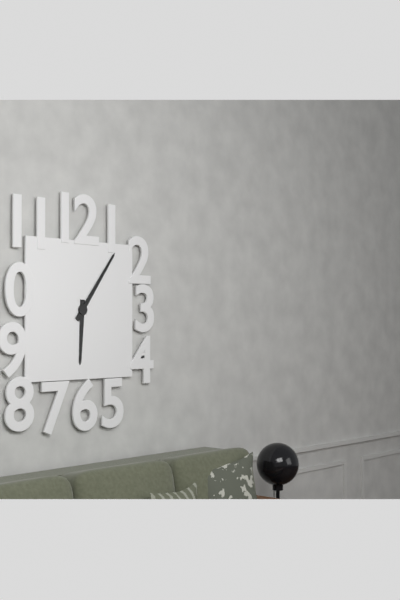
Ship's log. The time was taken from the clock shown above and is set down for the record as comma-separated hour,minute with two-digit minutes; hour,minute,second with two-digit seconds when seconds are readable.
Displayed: 6,06
